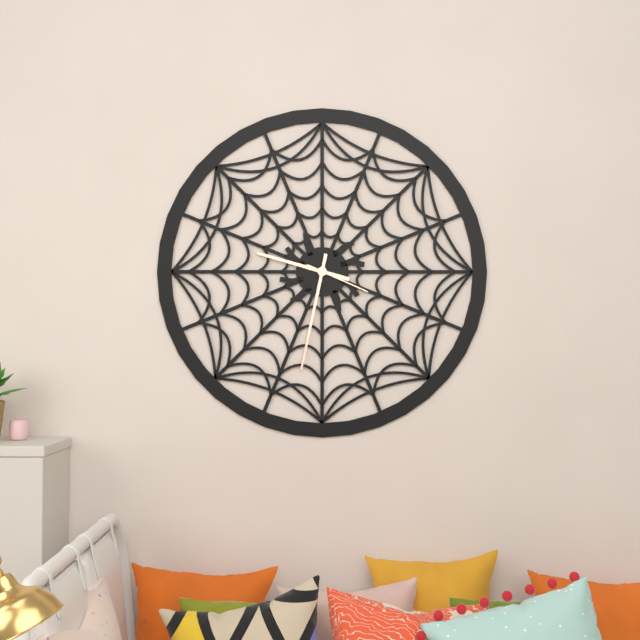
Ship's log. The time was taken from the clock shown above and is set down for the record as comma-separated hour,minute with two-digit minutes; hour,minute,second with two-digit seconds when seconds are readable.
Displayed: 9,32,19
